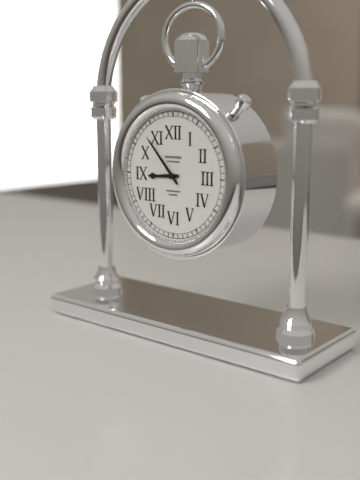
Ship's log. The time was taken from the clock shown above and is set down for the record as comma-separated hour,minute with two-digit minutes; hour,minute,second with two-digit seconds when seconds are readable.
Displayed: 8,53
